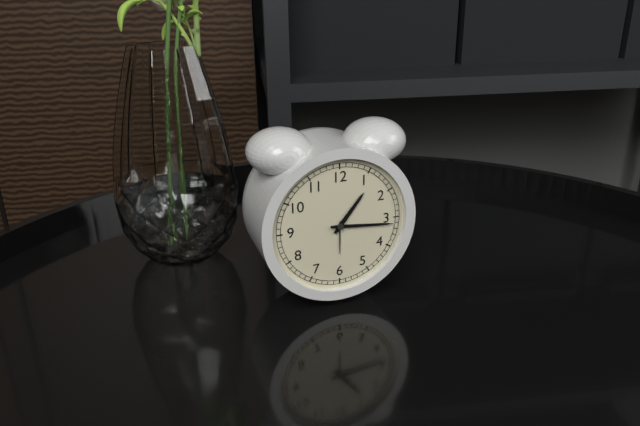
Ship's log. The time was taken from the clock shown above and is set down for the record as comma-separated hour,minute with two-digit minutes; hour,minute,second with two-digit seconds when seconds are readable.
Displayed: 1,16
